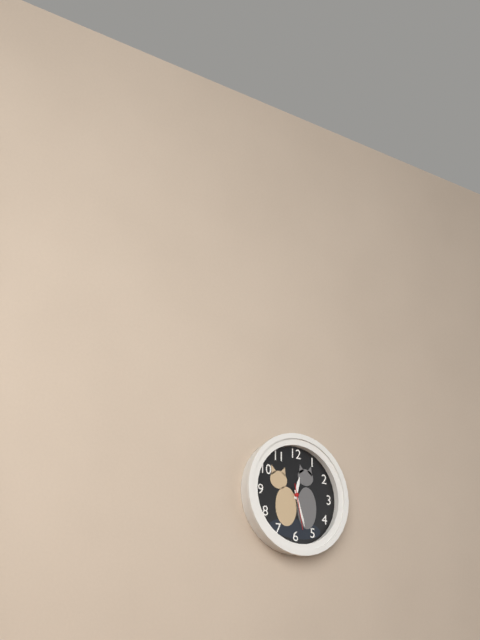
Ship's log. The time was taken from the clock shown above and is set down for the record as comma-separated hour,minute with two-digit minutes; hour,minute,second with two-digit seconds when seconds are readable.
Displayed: 12,27
